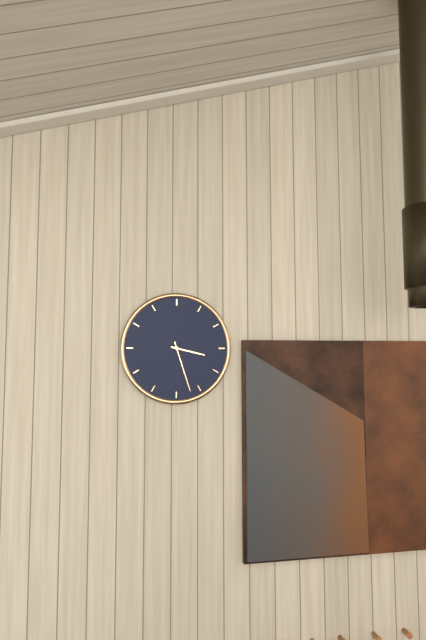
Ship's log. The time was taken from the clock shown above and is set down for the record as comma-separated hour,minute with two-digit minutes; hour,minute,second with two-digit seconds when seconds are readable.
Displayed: 3,27
